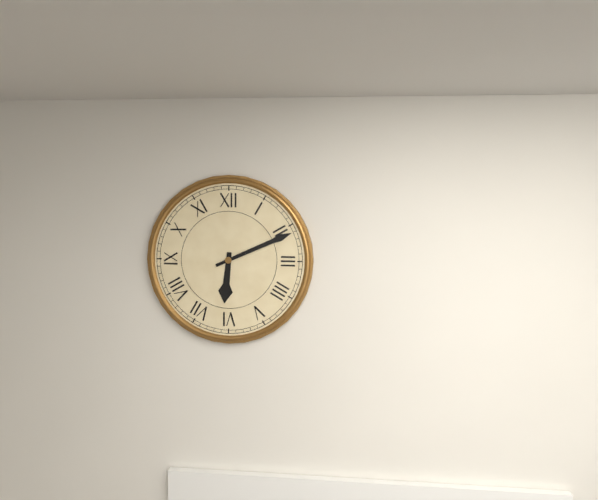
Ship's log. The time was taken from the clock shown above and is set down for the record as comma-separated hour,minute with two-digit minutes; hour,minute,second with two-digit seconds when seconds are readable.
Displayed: 6,11
